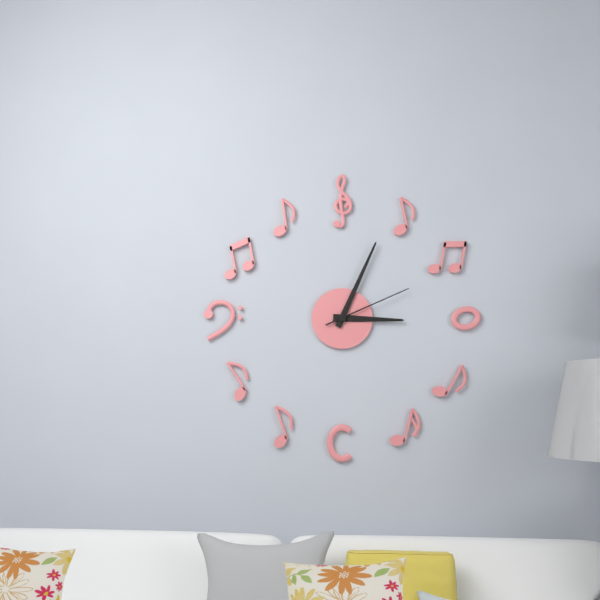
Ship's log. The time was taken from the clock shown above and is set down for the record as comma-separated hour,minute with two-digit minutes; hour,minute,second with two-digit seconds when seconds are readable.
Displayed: 3,04,11
